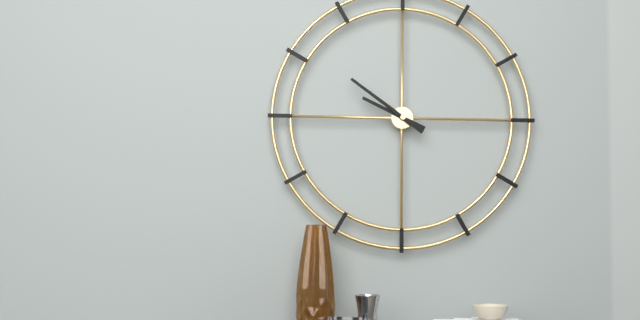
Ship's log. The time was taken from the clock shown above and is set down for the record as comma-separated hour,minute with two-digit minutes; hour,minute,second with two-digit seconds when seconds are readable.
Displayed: 9,51
